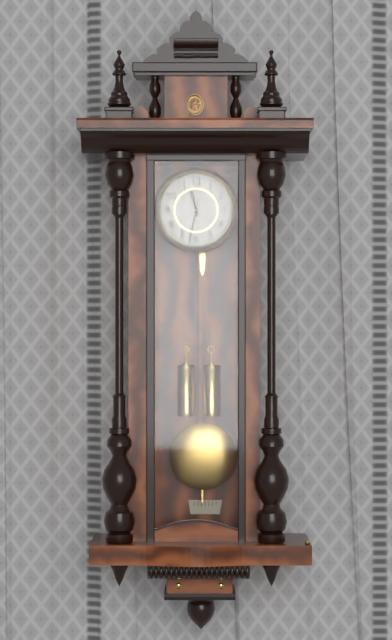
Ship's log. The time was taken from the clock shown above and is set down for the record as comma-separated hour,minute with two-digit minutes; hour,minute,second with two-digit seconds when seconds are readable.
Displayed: 11,32
